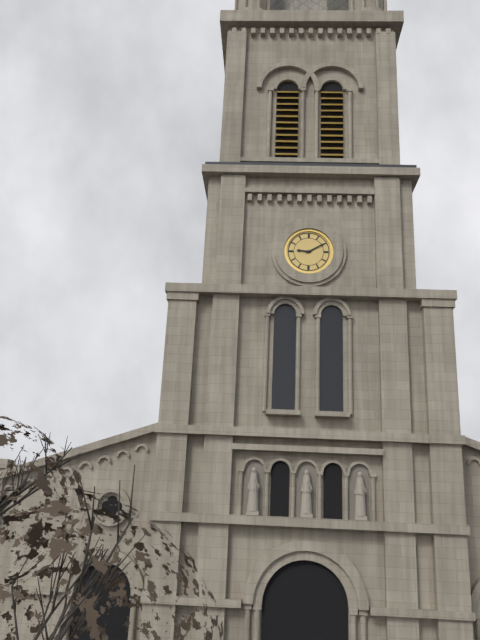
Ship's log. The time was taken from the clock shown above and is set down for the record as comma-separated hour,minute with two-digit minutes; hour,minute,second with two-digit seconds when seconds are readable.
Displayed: 9,10
